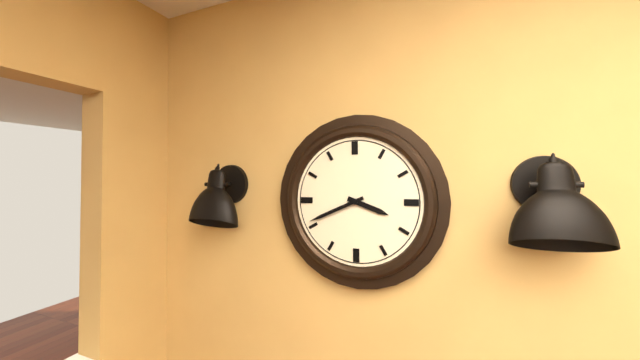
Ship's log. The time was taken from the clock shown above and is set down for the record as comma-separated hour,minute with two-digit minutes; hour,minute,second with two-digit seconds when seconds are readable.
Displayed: 3,41
